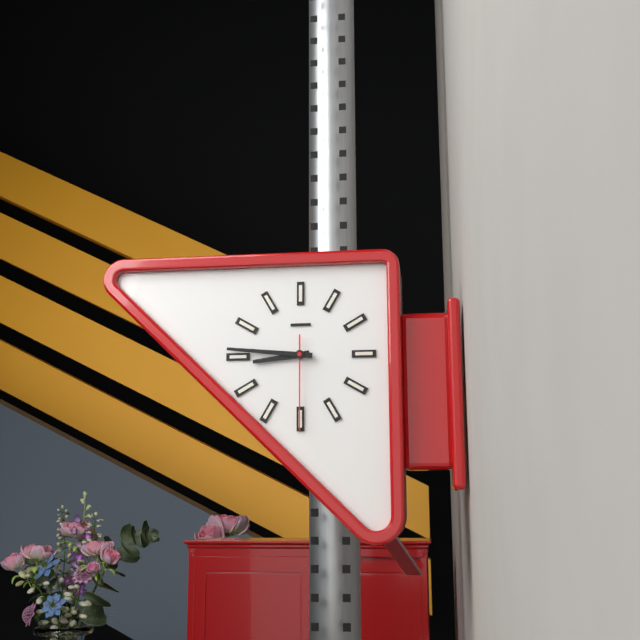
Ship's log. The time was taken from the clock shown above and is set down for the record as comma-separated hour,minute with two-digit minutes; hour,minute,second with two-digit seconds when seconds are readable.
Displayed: 8,46,30
